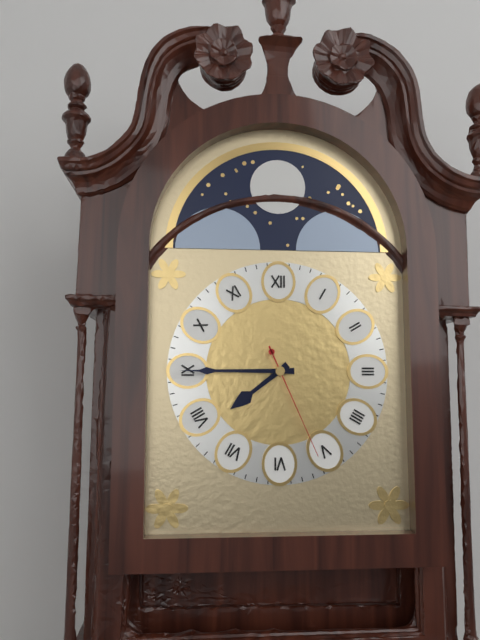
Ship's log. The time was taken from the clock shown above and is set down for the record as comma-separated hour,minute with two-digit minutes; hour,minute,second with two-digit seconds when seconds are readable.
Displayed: 7,45,26
